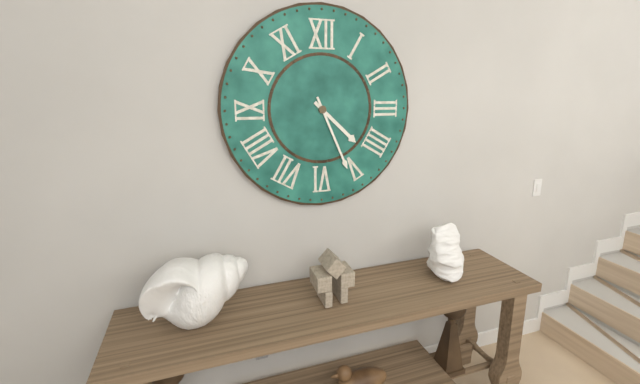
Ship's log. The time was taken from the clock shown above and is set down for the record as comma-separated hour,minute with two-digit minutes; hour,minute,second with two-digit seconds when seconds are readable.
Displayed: 4,26
